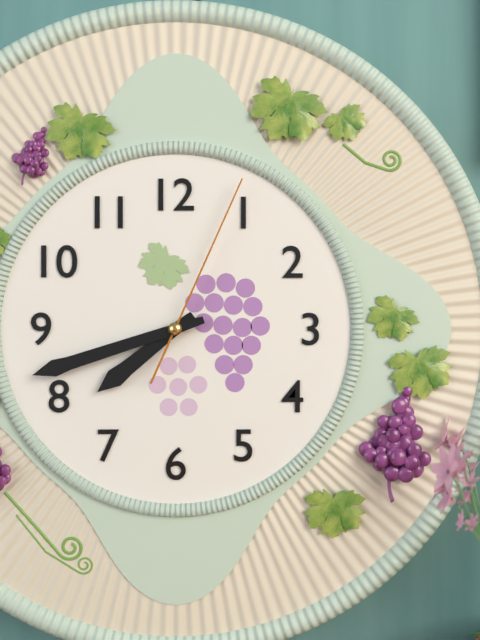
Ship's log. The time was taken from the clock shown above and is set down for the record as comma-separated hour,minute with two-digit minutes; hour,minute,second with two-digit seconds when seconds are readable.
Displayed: 7,42,04
